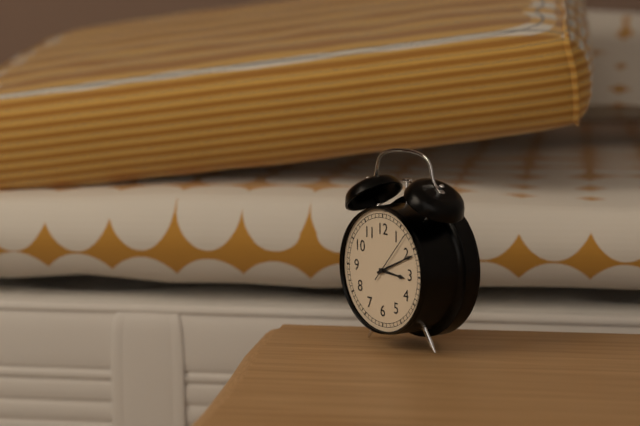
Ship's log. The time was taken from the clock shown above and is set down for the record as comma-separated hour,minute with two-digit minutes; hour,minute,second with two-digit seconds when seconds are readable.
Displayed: 3,11,07
